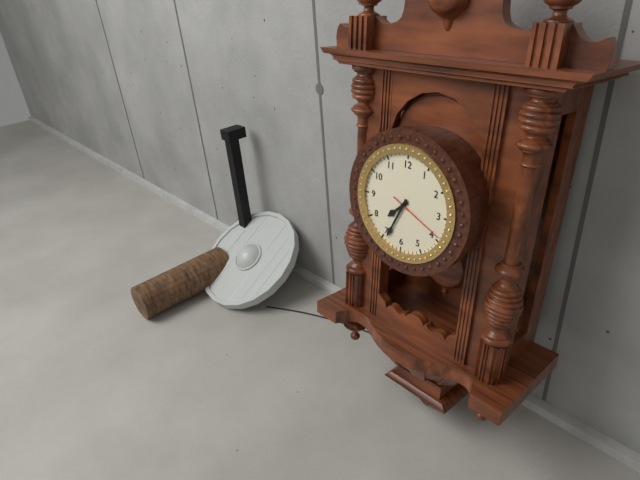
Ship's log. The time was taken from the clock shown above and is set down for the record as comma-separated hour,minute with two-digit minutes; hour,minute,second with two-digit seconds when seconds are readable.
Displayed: 7,34,19
